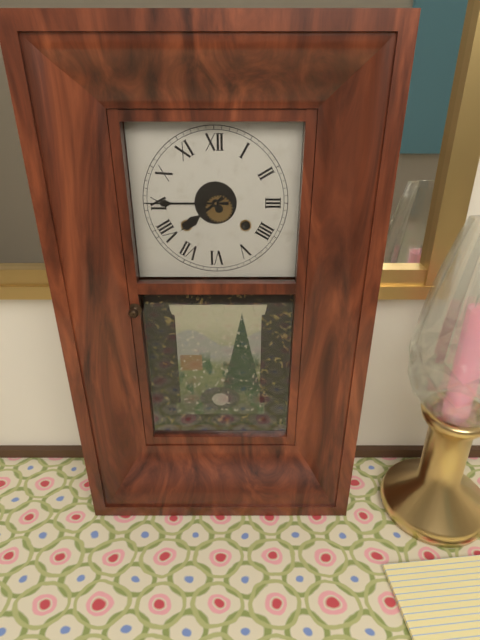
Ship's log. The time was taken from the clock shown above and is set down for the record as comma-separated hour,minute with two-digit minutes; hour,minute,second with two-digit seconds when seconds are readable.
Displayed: 7,45
